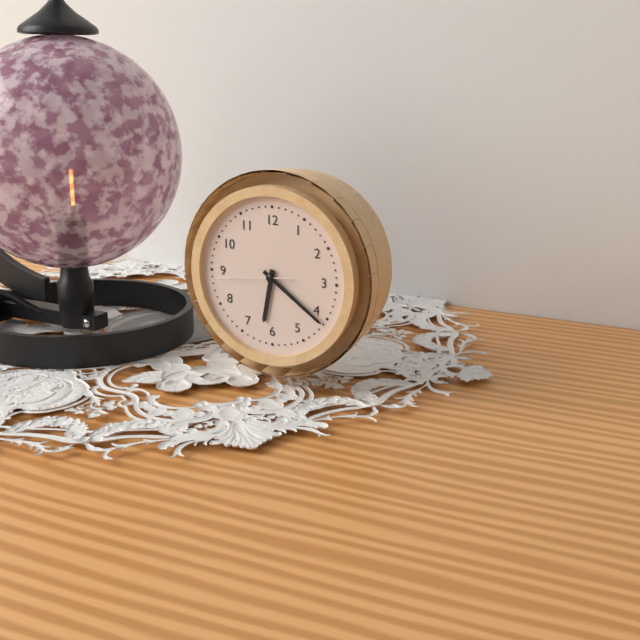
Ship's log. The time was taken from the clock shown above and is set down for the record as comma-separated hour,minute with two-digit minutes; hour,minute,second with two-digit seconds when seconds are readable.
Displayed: 6,21,44
